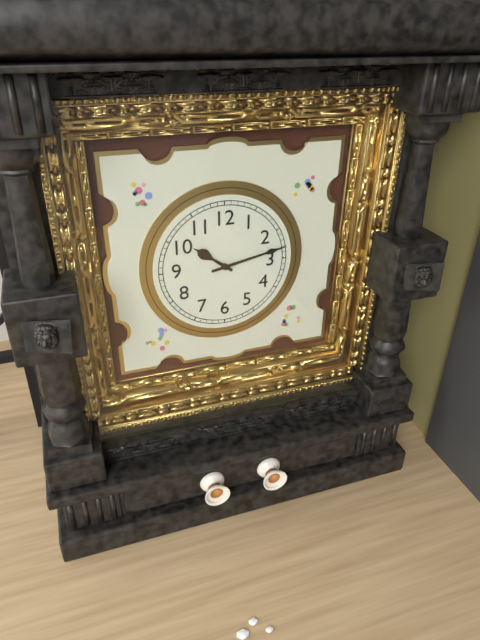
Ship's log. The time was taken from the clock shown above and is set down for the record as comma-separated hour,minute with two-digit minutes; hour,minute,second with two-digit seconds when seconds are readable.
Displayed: 10,13
